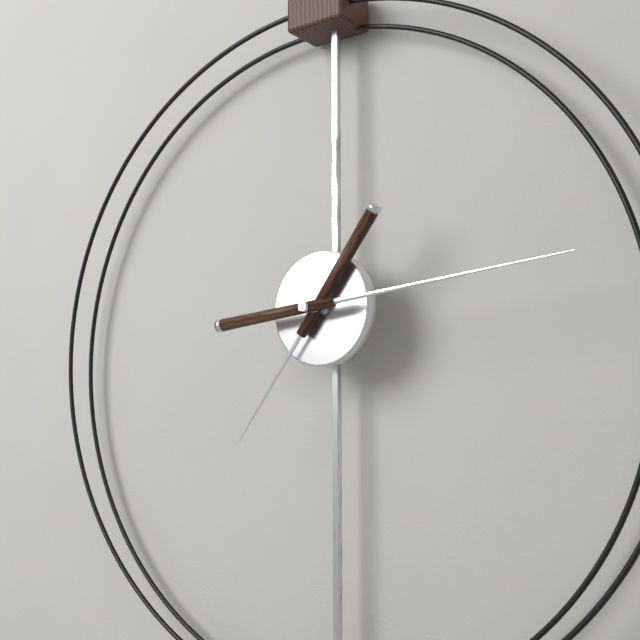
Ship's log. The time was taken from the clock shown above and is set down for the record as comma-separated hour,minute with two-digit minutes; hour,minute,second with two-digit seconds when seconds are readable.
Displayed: 7,14
